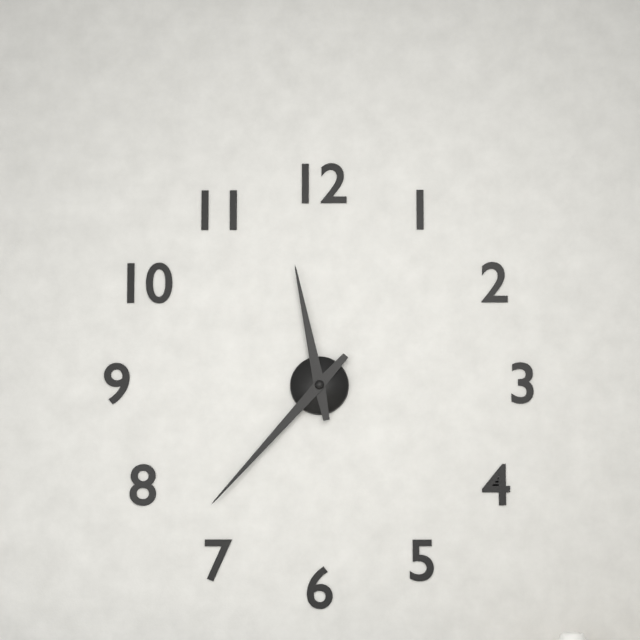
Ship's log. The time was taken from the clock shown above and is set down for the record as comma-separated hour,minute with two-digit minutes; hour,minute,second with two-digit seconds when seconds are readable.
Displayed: 11,37
